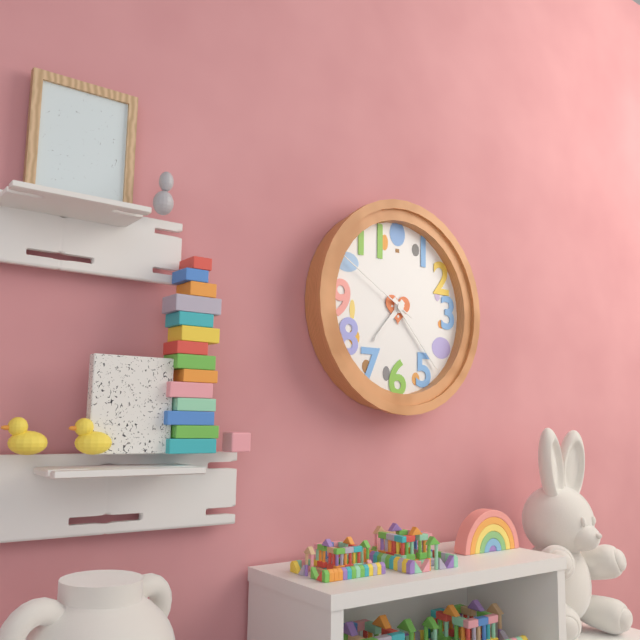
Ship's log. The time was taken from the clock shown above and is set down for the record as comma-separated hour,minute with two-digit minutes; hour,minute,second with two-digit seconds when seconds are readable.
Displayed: 7,23,50
